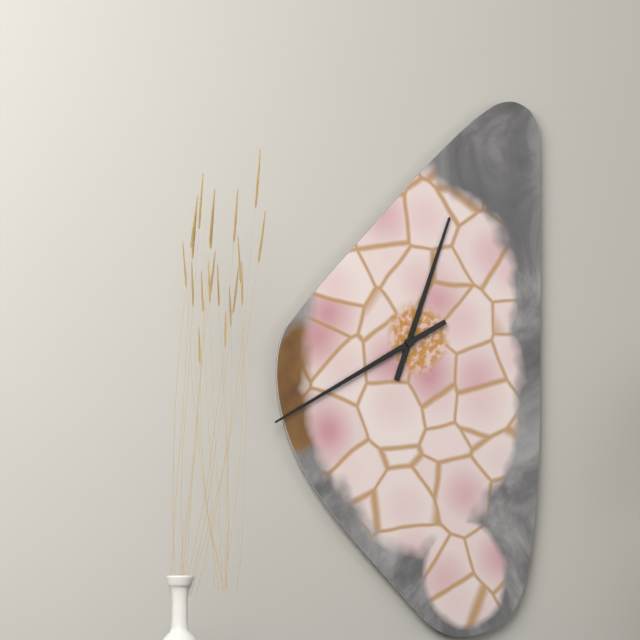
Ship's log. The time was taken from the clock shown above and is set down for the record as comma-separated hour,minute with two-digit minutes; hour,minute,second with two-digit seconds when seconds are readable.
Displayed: 12,40
